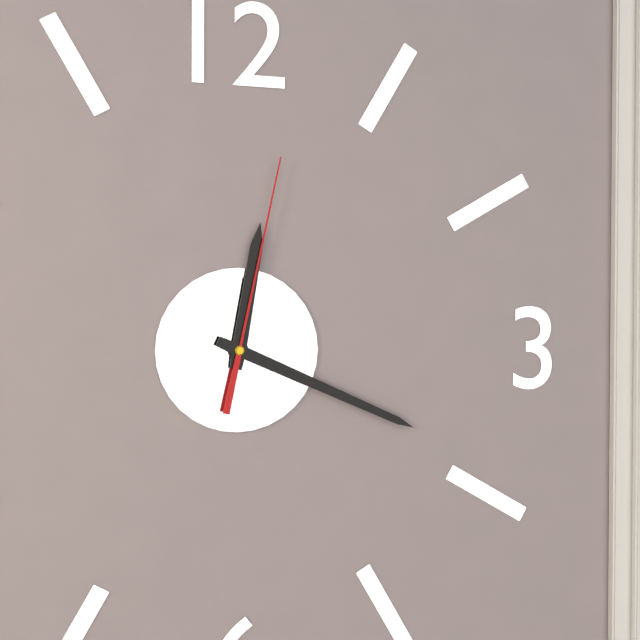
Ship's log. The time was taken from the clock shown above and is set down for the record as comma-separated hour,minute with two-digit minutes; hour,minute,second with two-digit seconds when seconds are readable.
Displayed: 12,19,02
